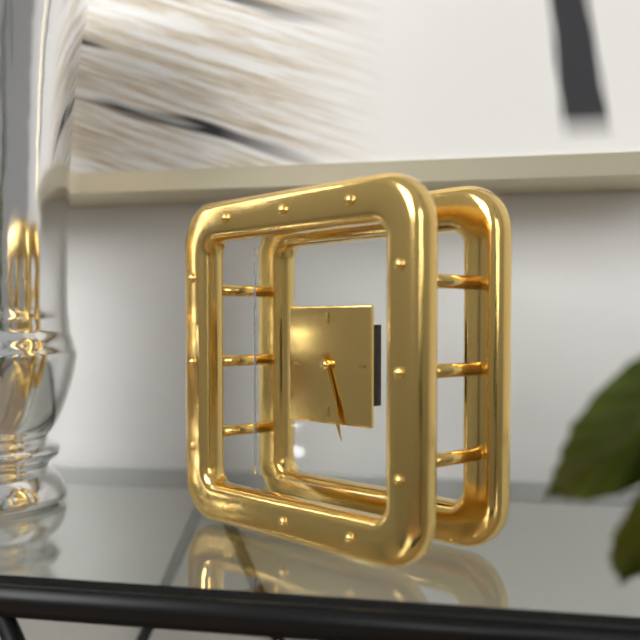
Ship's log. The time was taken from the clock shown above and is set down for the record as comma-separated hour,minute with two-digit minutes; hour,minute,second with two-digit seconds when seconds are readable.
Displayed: 5,27
